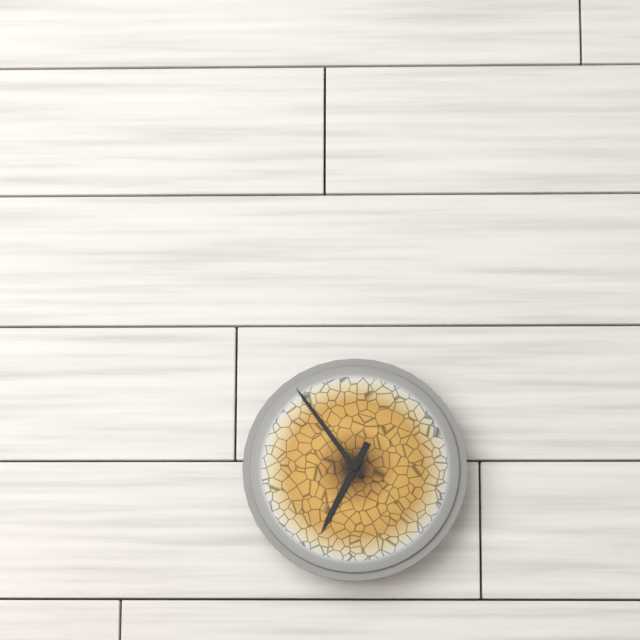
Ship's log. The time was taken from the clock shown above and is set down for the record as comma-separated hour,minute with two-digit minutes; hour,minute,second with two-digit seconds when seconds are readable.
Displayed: 6,54
